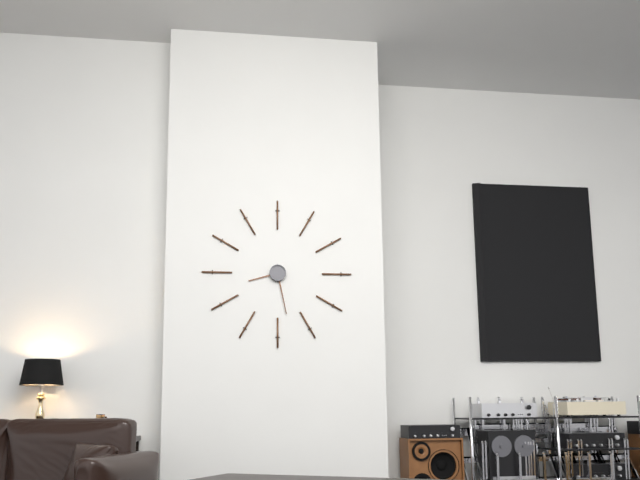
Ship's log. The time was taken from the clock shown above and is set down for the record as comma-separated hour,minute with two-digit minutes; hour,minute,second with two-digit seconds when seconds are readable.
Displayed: 8,28
